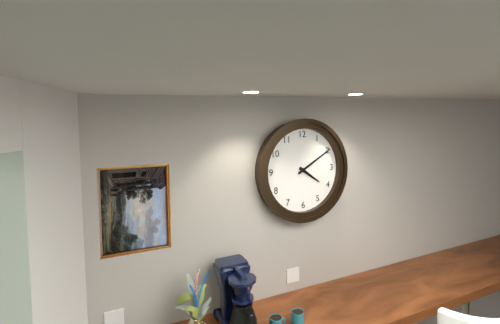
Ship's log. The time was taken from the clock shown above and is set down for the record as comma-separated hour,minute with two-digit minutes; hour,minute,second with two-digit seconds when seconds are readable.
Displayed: 4,10
